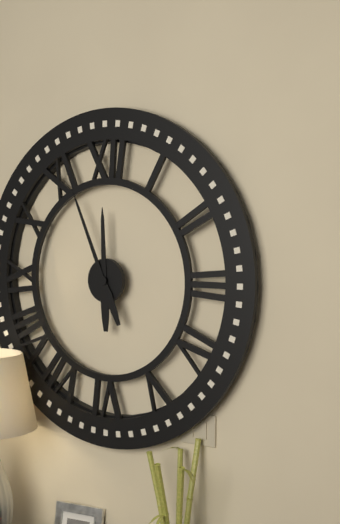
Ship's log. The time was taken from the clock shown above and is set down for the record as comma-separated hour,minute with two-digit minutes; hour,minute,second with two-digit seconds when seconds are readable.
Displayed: 11,56
